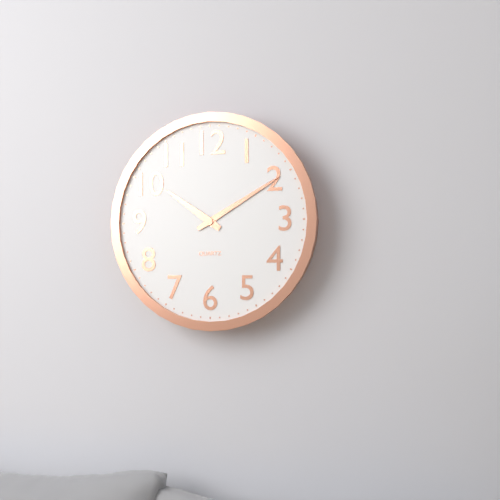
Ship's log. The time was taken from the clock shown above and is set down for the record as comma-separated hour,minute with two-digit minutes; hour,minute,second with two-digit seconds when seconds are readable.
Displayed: 10,10
